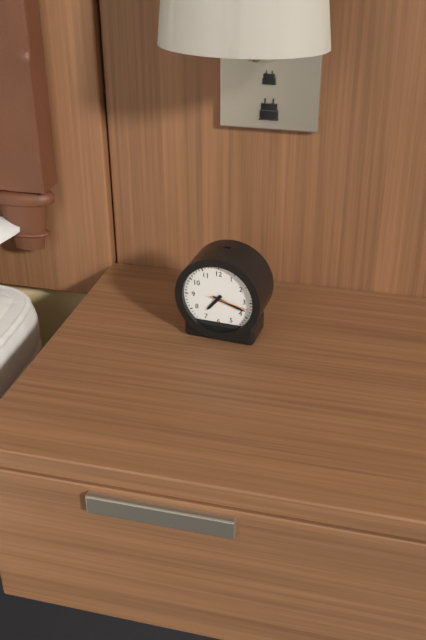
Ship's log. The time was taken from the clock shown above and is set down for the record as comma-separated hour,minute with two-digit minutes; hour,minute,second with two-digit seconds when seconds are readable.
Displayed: 7,18
